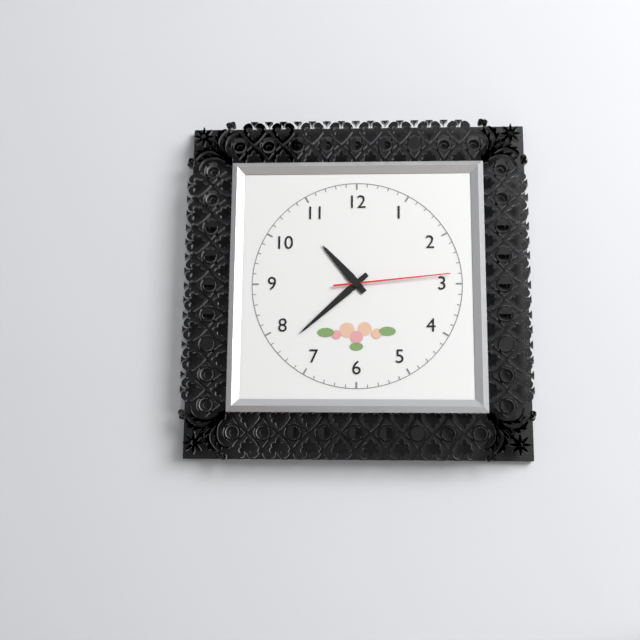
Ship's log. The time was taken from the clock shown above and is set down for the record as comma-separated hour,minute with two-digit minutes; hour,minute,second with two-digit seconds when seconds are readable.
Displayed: 10,38,14
